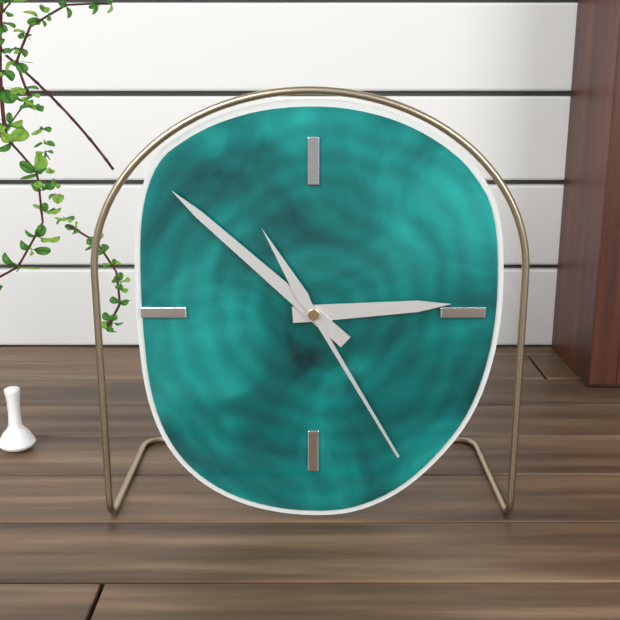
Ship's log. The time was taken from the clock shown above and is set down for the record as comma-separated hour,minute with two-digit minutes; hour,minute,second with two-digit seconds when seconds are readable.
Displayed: 2,52,25
